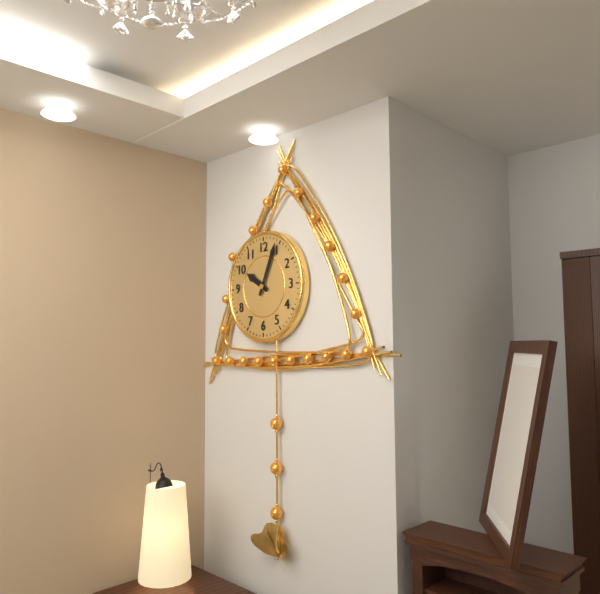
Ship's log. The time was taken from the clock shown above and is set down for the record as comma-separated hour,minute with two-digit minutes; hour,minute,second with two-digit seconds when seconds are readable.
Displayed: 10,04
